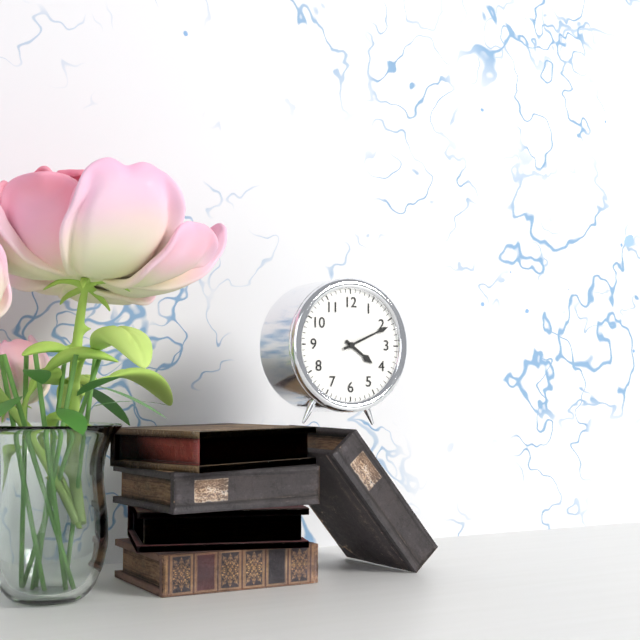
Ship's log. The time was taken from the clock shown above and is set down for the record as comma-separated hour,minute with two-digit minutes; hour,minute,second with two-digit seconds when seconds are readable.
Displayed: 4,11
